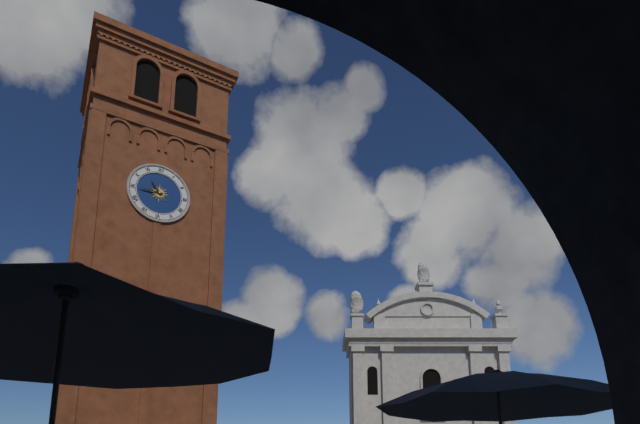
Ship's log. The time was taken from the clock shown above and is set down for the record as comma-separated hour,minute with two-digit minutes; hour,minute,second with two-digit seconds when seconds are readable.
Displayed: 10,45
